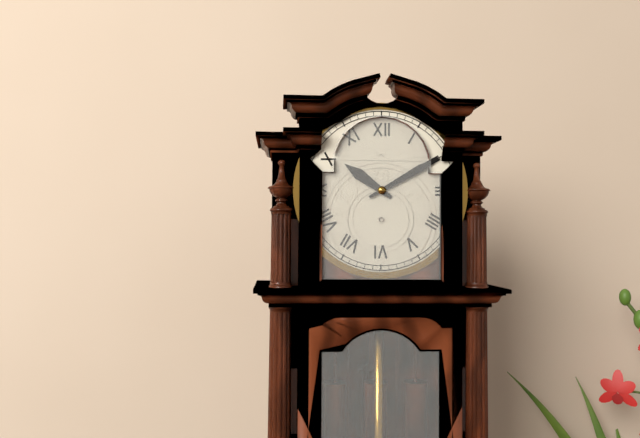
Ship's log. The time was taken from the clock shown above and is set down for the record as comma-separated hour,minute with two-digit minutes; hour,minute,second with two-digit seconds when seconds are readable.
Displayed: 10,10
